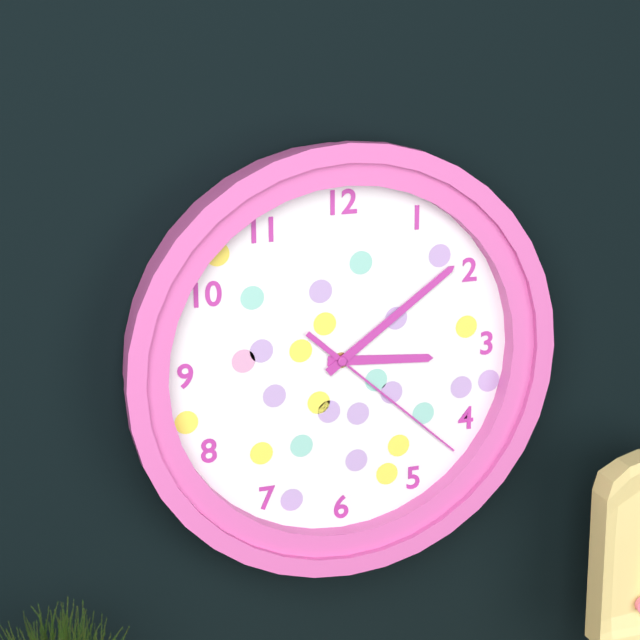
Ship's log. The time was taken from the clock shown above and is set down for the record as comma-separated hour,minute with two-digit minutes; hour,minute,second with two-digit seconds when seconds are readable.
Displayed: 3,09,22
